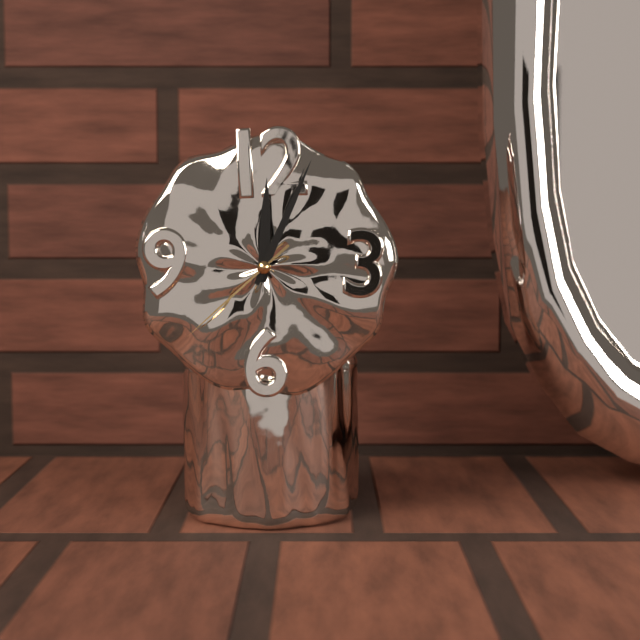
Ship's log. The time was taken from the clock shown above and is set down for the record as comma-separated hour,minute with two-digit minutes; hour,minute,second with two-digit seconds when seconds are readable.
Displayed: 12,04,38
